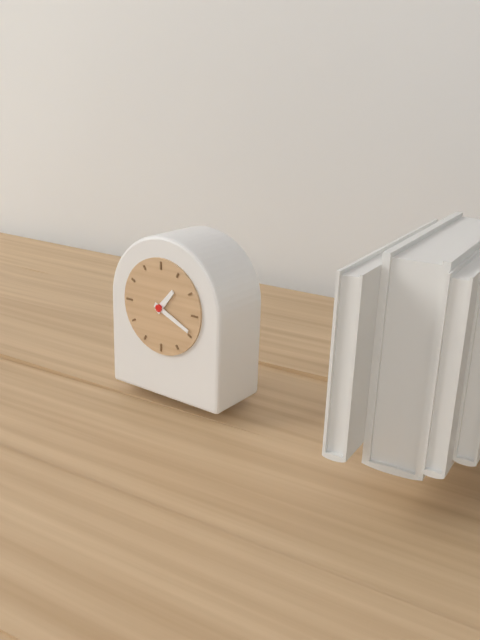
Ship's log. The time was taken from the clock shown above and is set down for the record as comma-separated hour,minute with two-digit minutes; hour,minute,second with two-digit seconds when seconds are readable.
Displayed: 1,19
